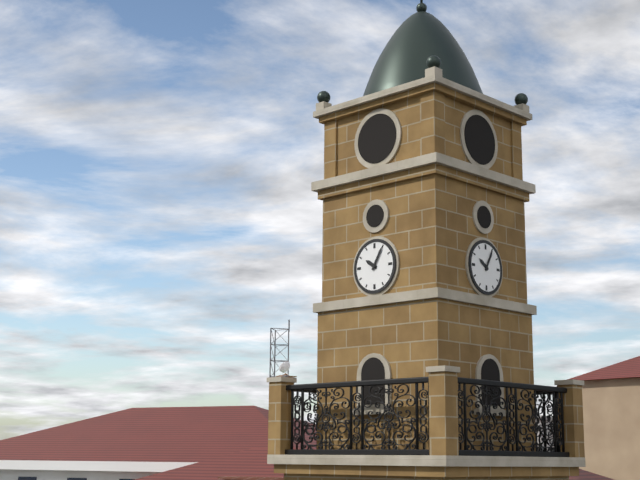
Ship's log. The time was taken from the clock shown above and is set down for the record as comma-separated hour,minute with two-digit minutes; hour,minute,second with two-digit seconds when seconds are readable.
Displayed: 10,05
